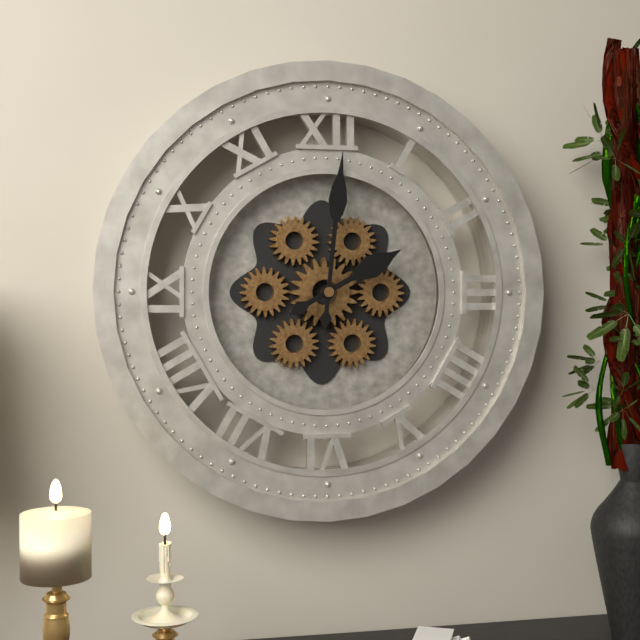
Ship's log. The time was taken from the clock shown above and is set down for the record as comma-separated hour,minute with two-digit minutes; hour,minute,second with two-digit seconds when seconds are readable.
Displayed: 2,01
